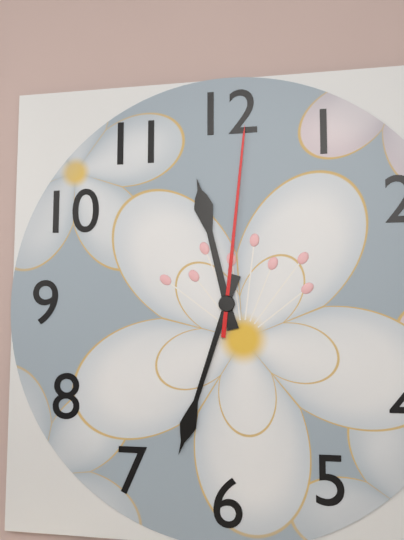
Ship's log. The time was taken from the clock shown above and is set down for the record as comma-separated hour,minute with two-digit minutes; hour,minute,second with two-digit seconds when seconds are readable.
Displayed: 11,33,01
